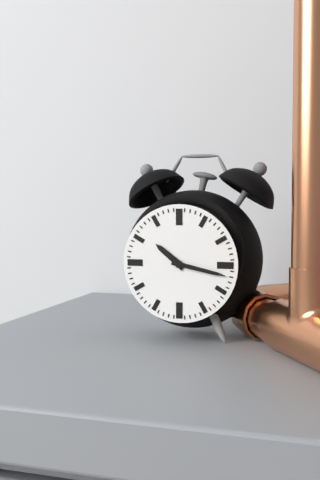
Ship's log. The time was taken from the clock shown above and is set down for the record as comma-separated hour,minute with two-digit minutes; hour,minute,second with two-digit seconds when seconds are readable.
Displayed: 10,17
